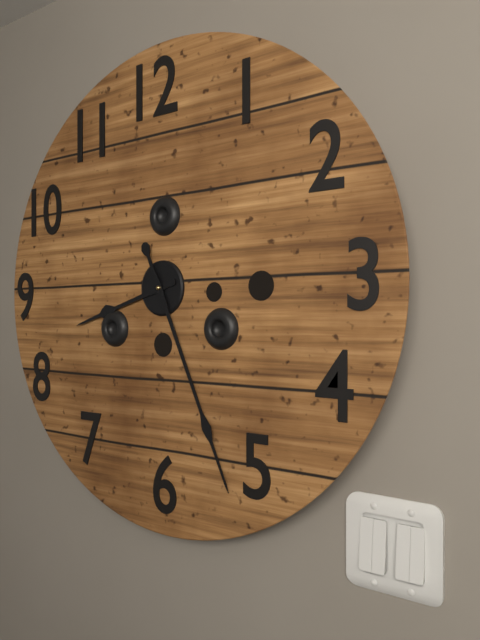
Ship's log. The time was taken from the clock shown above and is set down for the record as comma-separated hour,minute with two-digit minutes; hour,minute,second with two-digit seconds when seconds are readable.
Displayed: 8,26
